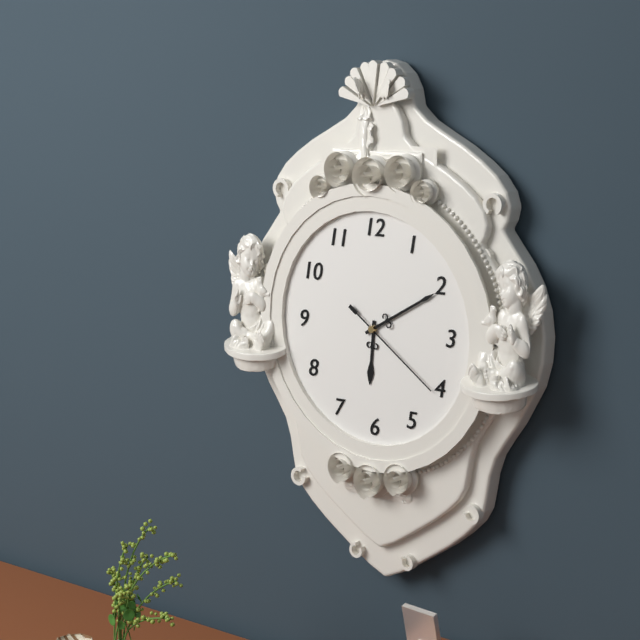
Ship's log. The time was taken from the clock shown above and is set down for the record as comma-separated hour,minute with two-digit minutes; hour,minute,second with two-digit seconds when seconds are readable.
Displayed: 6,10,21
